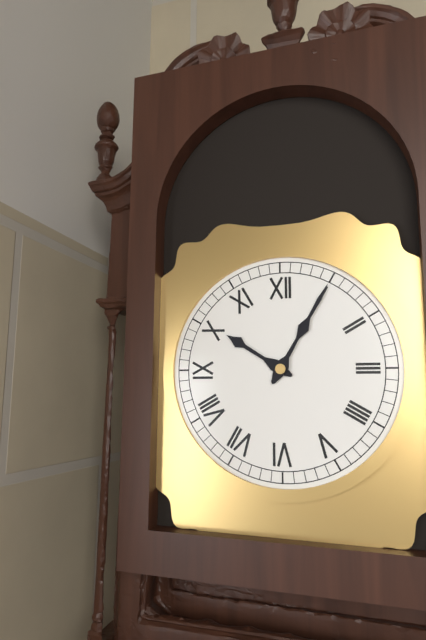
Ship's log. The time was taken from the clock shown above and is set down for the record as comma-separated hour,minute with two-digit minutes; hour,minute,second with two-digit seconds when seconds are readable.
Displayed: 10,05
